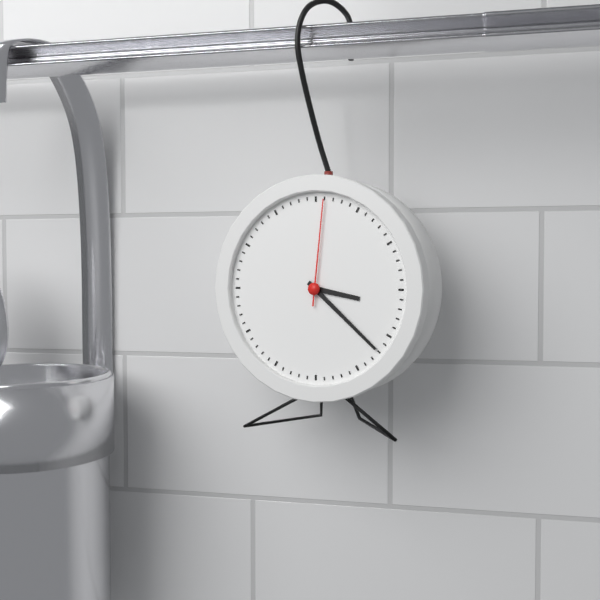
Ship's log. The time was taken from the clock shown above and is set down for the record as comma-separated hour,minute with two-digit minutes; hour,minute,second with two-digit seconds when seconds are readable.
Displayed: 3,22,01
